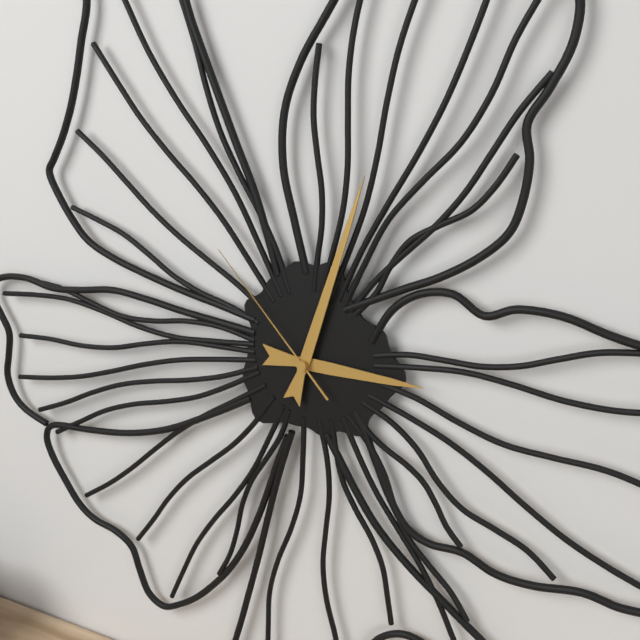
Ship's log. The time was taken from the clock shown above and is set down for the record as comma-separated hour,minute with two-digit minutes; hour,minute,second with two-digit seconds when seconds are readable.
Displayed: 3,03,53
